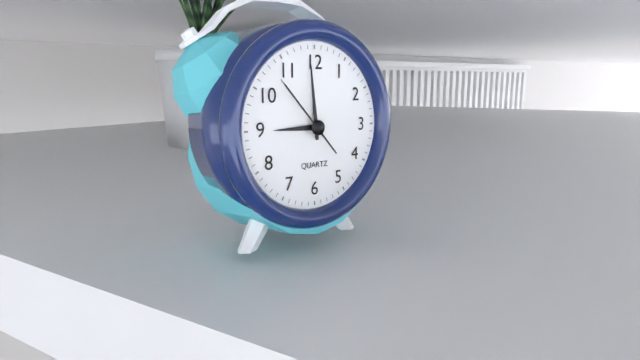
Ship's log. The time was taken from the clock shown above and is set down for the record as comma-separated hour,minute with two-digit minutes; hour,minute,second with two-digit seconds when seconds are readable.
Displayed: 8,59,53
